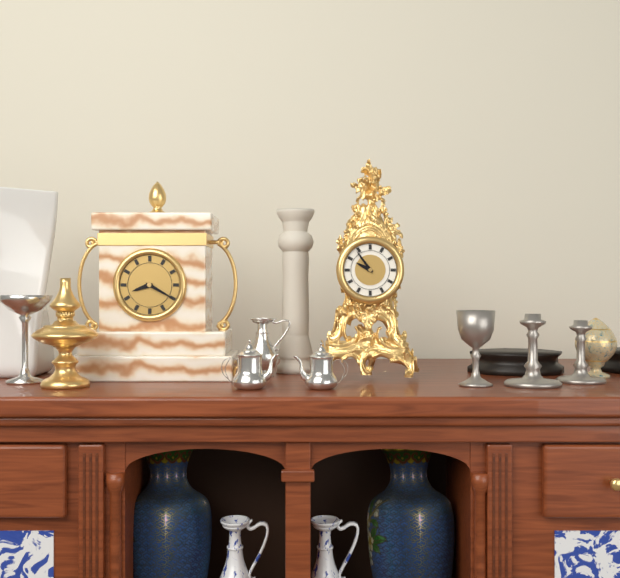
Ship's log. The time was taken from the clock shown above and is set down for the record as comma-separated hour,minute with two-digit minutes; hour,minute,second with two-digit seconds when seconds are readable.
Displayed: 9,54
